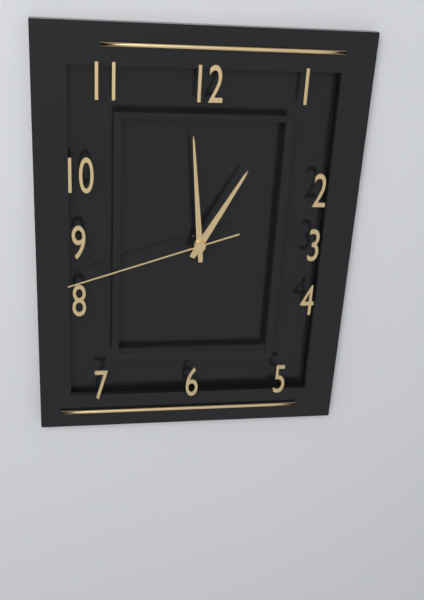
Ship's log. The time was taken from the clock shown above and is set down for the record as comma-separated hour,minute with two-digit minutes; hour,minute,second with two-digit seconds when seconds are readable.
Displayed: 12,59,42
